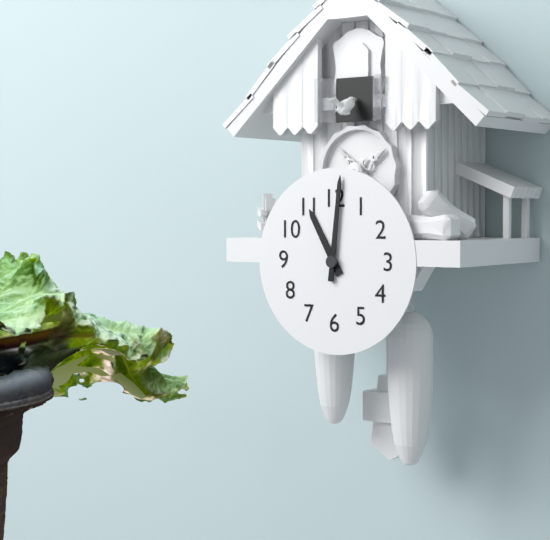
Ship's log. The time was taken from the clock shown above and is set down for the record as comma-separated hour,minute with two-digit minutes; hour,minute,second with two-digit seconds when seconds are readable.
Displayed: 11,01
